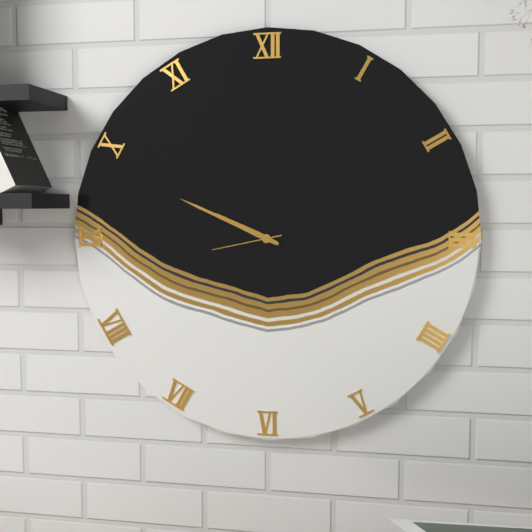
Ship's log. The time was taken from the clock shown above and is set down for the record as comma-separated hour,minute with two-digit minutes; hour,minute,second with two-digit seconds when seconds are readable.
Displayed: 9,49,43
